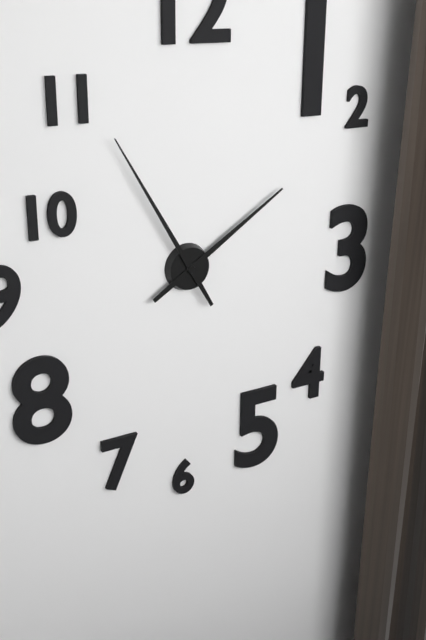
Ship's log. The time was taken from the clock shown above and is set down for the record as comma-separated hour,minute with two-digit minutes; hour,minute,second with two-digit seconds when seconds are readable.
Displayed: 1,55
